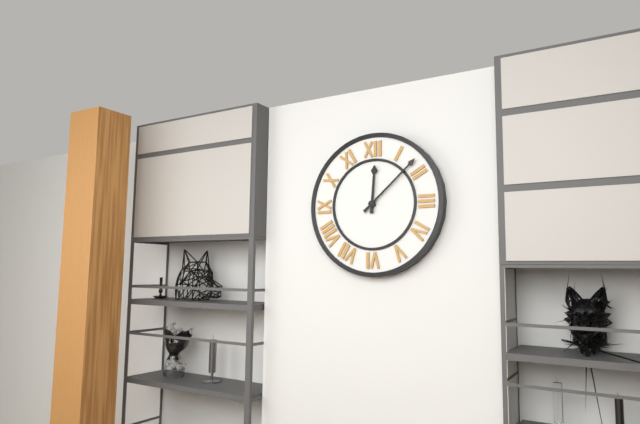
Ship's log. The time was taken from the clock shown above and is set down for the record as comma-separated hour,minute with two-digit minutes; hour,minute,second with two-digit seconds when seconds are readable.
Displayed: 12,08
